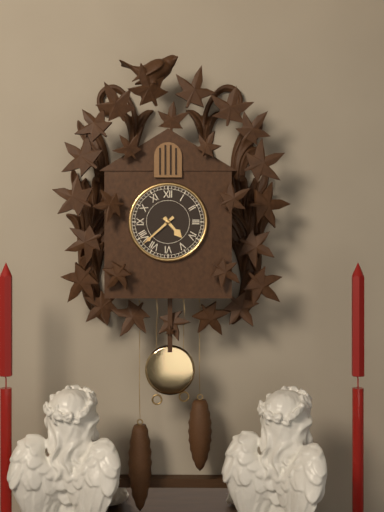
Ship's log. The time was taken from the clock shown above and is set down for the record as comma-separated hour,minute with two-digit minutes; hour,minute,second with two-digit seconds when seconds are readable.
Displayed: 4,38
